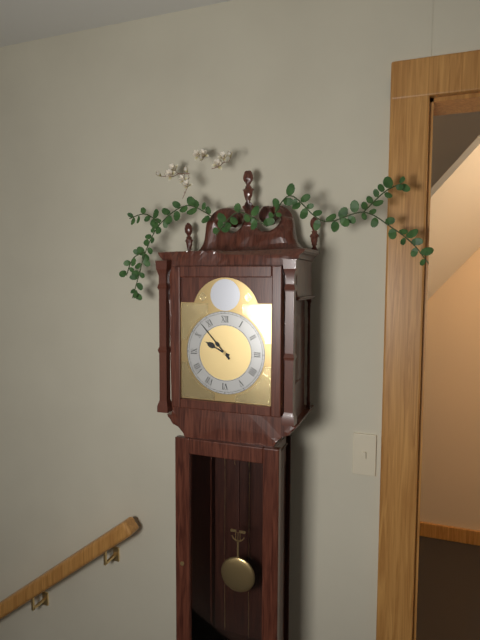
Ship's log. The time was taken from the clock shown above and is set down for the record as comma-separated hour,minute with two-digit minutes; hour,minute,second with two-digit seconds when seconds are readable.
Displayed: 9,53
